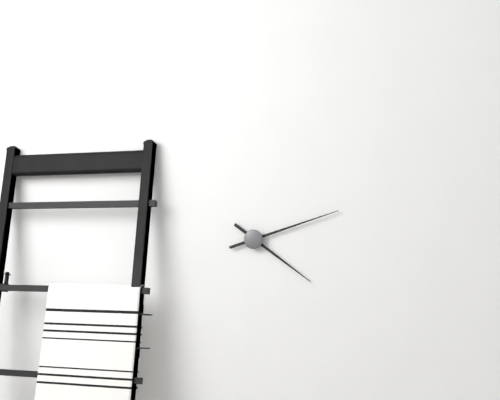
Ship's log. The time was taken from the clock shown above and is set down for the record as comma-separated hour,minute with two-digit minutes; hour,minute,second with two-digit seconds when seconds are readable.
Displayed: 4,12
